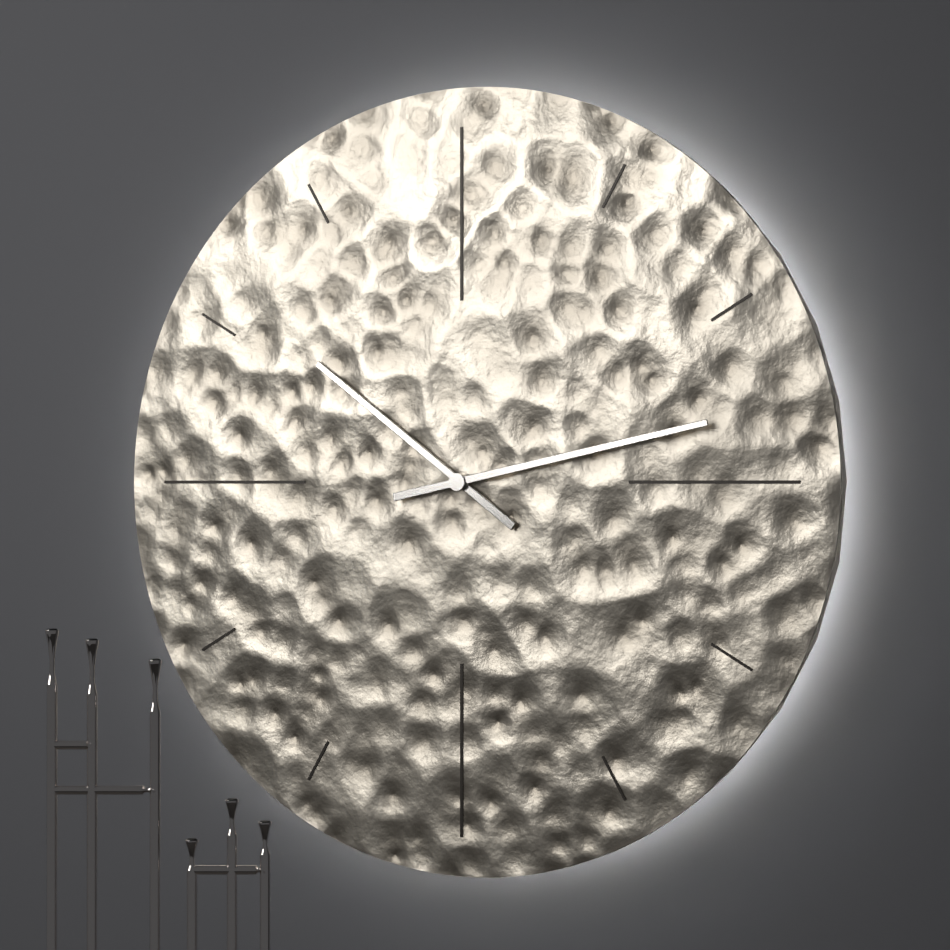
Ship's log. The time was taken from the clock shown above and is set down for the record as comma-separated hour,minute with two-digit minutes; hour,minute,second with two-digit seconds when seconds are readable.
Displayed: 10,13
